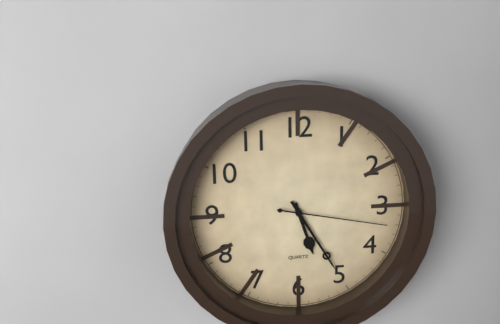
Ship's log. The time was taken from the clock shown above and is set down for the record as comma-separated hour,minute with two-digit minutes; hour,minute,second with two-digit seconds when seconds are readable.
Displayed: 5,25,17
